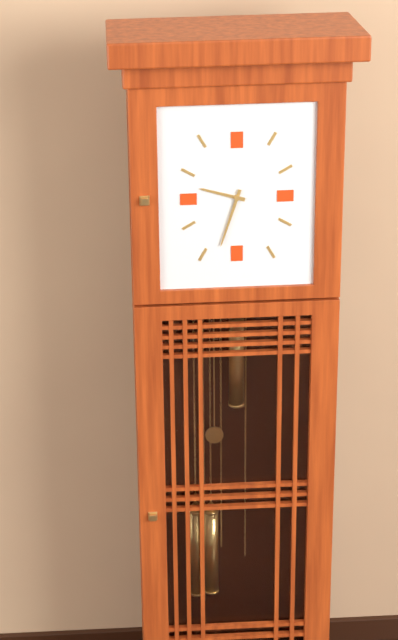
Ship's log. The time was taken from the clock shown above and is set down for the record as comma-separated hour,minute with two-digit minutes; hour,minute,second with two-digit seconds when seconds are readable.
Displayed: 9,33
